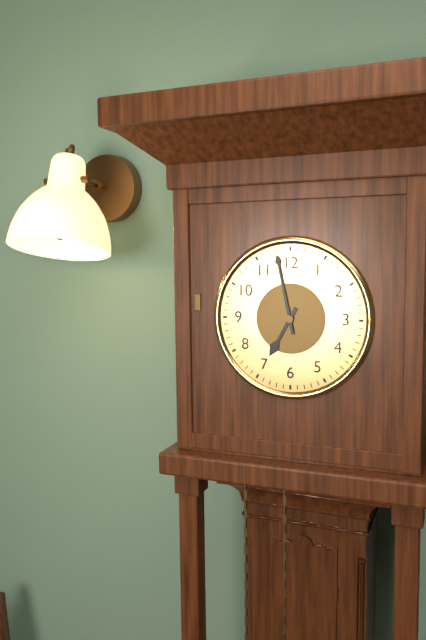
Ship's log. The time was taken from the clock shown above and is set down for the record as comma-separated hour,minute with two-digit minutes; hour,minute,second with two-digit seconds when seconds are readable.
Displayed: 6,58
